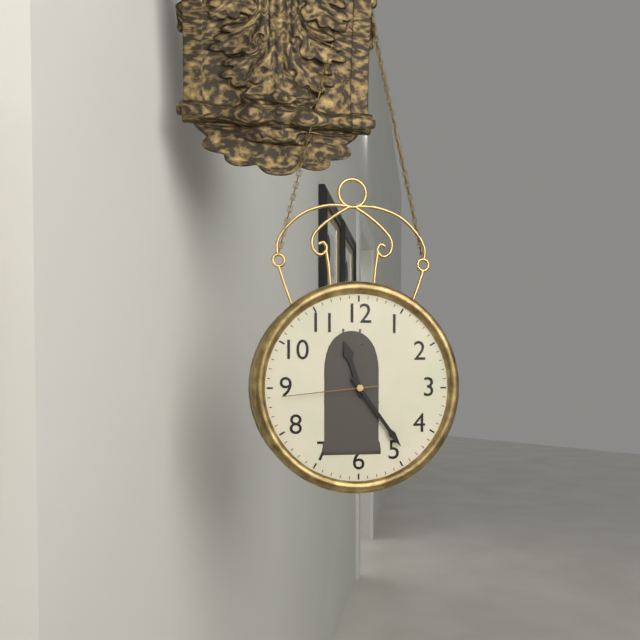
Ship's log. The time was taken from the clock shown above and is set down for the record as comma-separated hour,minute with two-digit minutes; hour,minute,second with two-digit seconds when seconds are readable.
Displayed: 11,24,44
